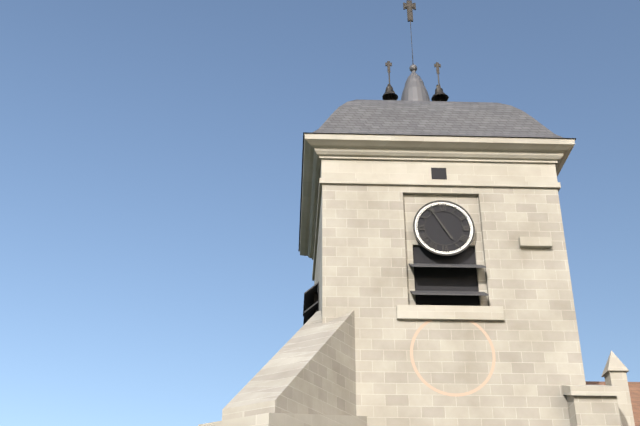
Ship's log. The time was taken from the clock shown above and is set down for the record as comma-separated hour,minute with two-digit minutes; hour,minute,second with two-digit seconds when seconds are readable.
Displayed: 4,55
